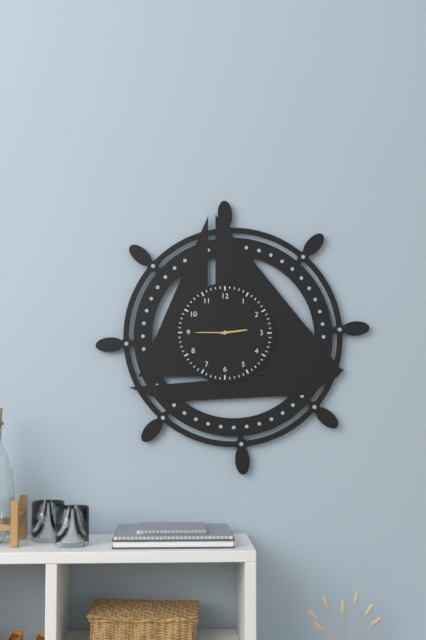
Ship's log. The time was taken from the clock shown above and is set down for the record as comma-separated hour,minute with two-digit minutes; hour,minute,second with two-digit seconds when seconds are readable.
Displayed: 2,45
